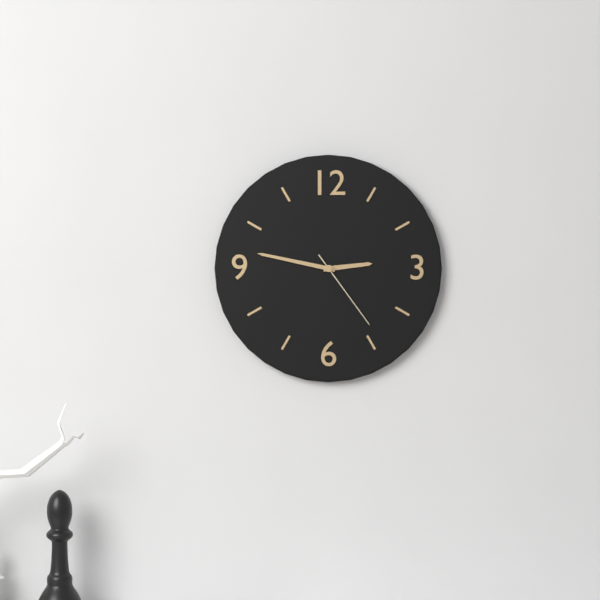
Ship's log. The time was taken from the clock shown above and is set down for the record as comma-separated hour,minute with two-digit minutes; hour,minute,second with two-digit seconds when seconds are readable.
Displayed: 2,47,24
